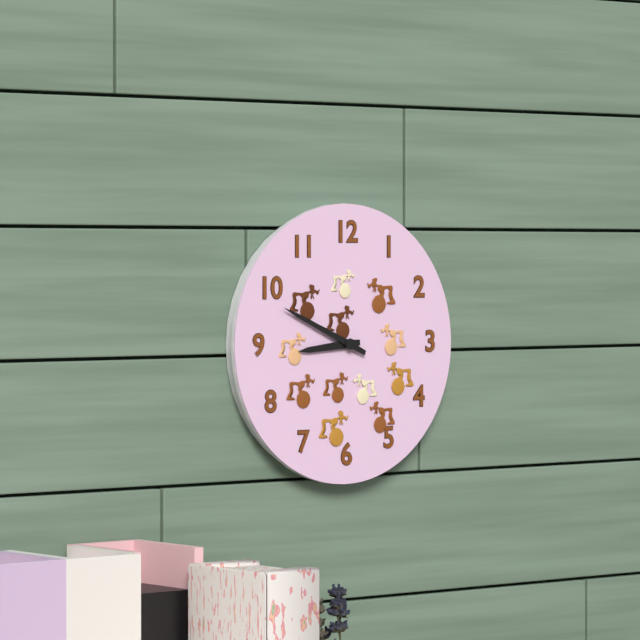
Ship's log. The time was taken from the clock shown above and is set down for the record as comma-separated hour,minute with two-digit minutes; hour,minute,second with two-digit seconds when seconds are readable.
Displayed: 8,49
